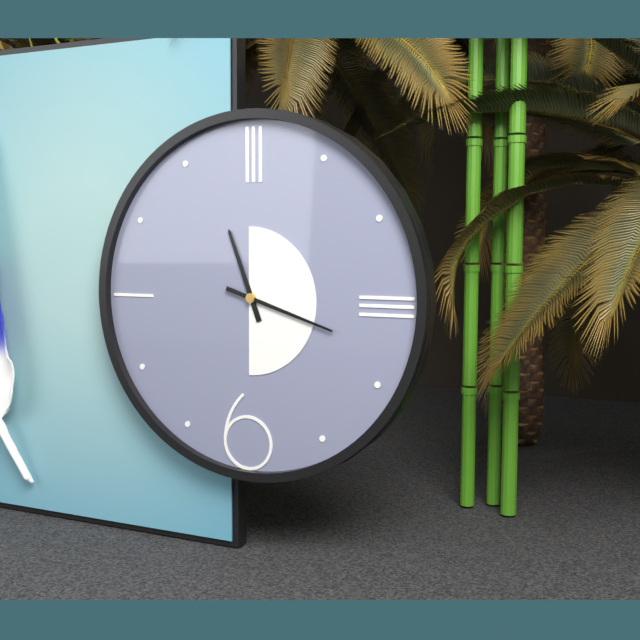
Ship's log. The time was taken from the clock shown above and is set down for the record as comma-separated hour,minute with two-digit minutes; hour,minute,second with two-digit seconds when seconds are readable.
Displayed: 11,18
